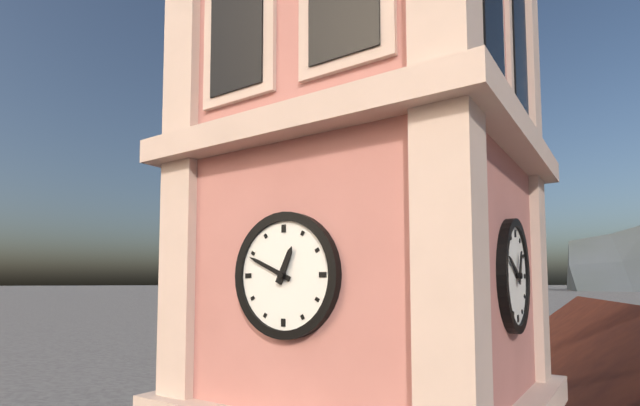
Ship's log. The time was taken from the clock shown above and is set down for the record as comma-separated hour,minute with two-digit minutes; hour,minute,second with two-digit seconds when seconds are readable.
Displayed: 12,49
